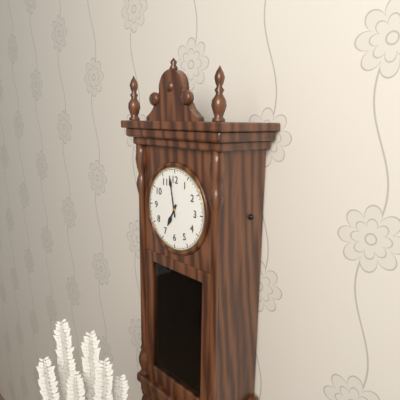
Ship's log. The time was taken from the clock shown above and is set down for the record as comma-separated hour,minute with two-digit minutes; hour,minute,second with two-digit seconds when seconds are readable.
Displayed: 6,58
